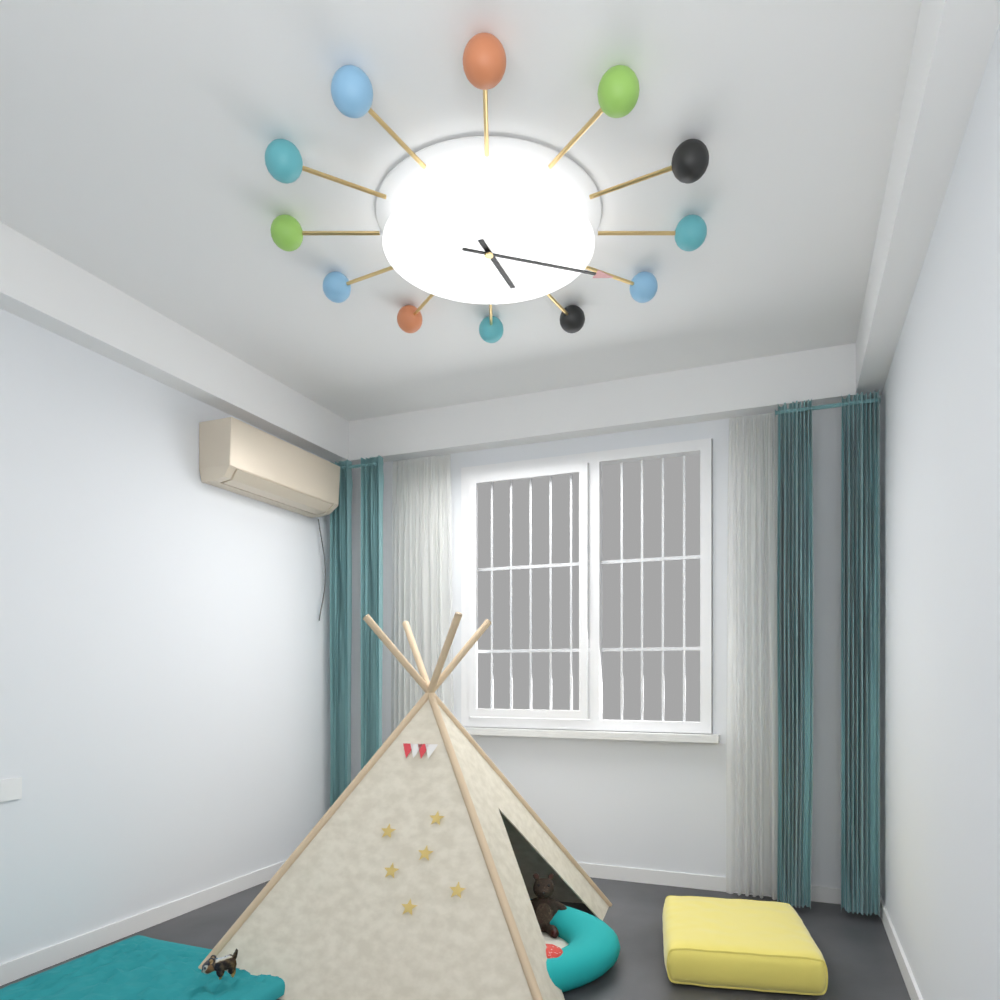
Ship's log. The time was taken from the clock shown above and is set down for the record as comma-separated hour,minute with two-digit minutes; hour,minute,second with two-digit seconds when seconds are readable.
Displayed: 5,18
